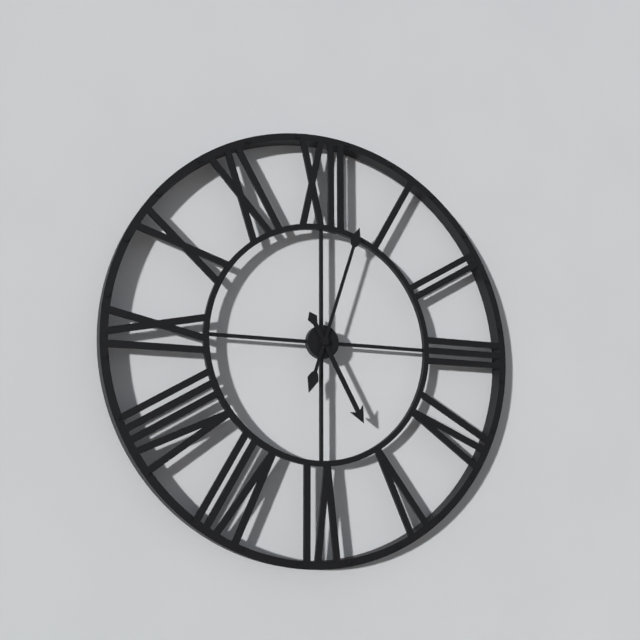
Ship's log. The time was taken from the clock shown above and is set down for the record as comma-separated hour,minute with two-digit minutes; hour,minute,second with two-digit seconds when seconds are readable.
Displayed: 5,03
